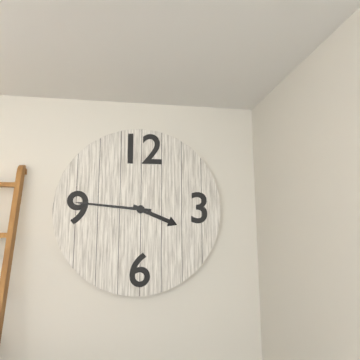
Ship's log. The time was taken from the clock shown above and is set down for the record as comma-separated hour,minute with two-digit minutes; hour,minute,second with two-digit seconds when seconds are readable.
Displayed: 3,46
